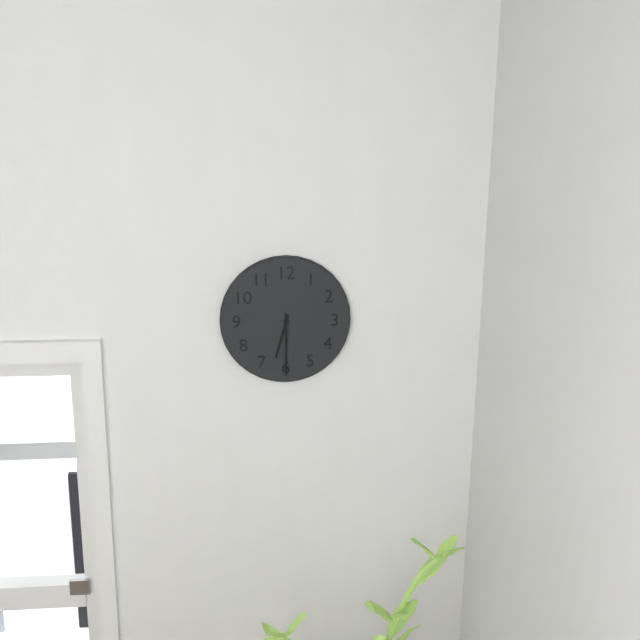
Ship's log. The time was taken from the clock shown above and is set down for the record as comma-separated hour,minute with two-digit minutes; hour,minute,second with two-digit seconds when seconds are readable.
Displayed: 6,30
